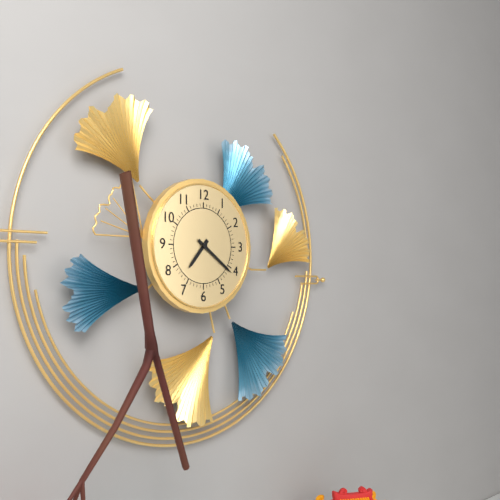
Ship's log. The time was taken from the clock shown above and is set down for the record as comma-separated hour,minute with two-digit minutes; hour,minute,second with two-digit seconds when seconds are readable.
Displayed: 7,21
